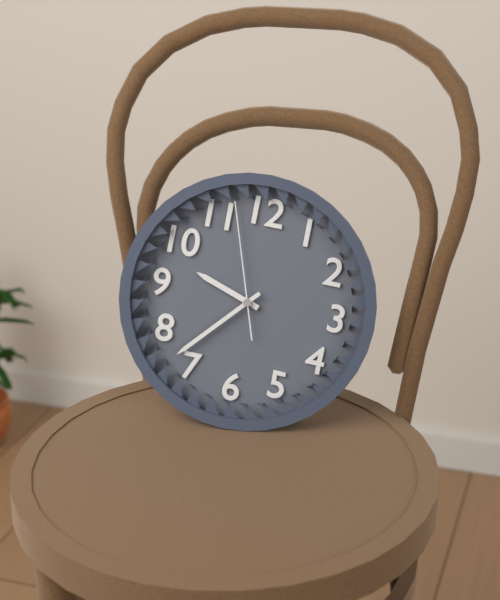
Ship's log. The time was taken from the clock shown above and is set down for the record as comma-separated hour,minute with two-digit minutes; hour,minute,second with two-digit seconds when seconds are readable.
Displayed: 9,37,57
